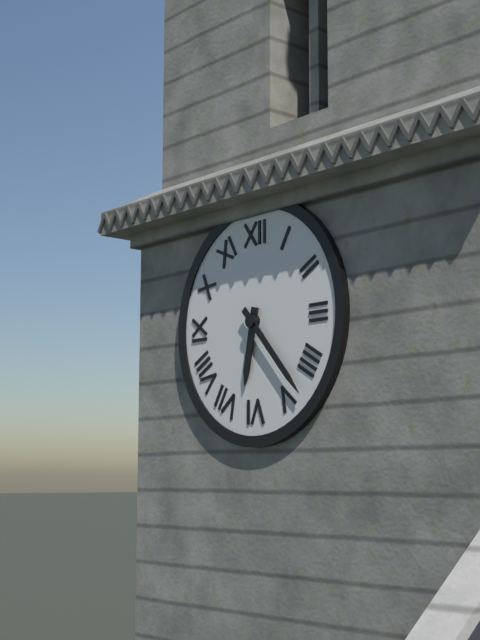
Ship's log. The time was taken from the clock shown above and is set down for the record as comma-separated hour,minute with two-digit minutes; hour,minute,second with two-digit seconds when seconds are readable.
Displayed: 6,23
